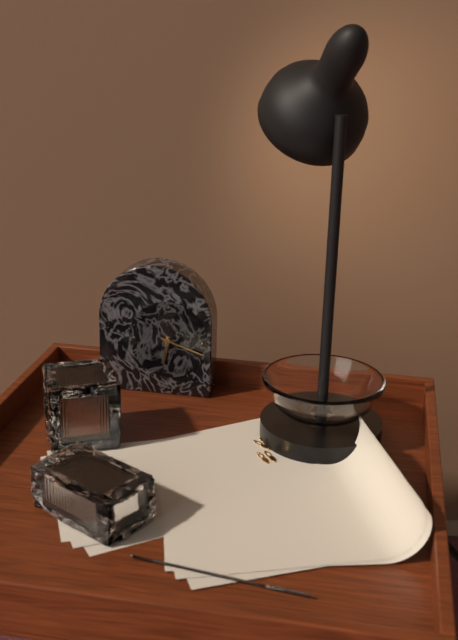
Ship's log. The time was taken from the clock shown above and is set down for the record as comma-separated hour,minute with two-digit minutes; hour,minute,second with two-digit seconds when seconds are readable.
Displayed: 6,18
